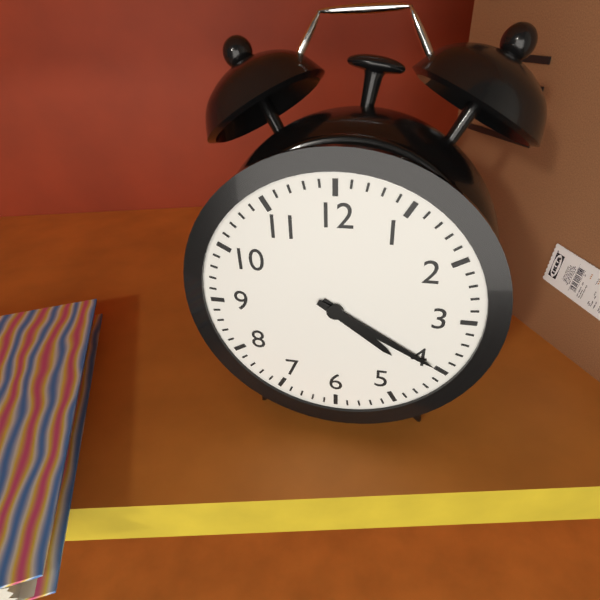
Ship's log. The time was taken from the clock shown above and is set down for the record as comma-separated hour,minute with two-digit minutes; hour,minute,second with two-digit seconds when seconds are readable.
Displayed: 4,20
